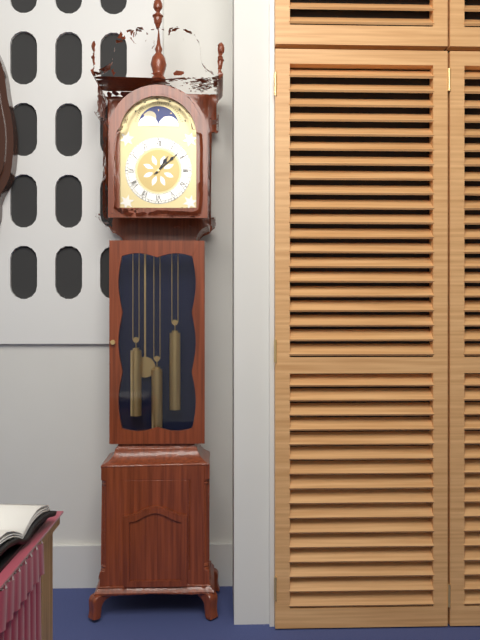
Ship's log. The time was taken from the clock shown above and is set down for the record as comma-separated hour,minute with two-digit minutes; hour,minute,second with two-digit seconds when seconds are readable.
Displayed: 1,08
